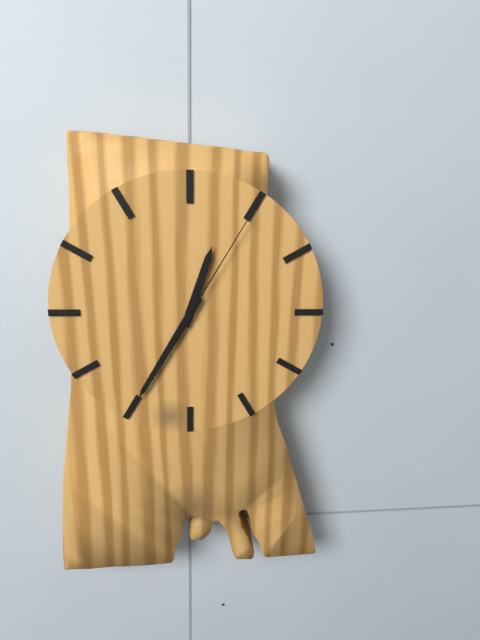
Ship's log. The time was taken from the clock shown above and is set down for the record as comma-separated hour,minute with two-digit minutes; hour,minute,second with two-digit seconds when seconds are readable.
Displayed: 12,35,05
